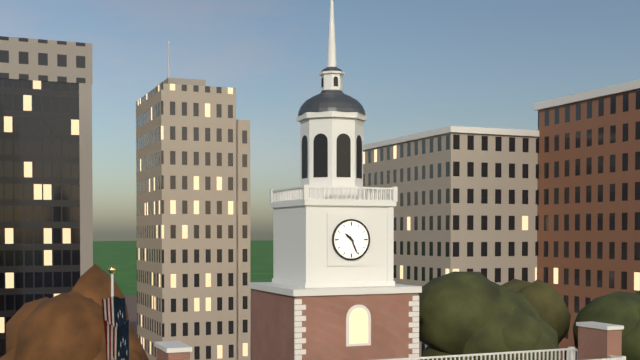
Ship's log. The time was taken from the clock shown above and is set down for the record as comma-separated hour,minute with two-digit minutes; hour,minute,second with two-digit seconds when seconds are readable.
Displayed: 10,26
